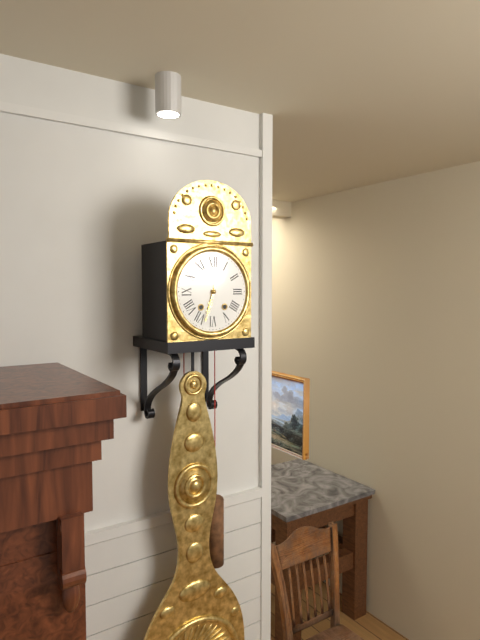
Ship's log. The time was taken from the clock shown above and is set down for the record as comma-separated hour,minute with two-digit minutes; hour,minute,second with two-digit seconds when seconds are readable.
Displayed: 6,33
